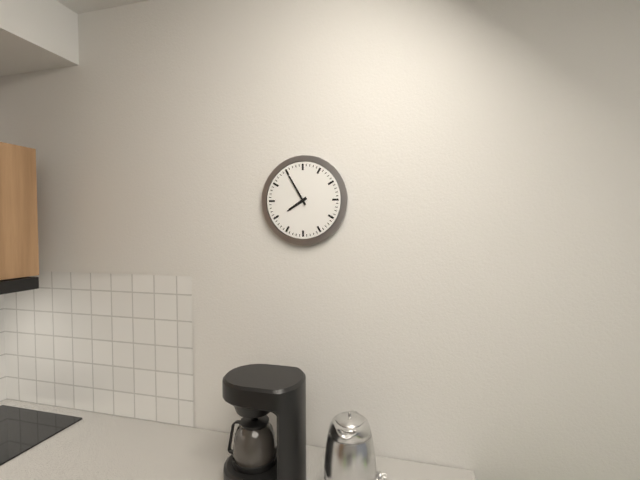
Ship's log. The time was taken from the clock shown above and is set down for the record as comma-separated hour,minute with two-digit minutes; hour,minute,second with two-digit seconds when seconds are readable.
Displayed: 7,55
